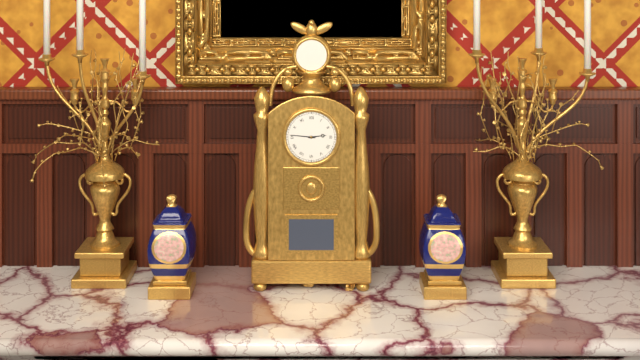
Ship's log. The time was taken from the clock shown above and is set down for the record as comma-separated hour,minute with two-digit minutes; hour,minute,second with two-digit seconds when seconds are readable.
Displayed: 2,46
